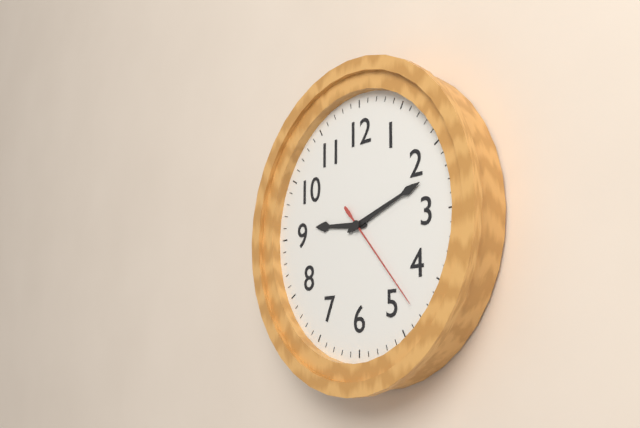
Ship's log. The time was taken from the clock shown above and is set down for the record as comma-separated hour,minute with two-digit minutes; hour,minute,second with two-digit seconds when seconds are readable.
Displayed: 9,12,23
